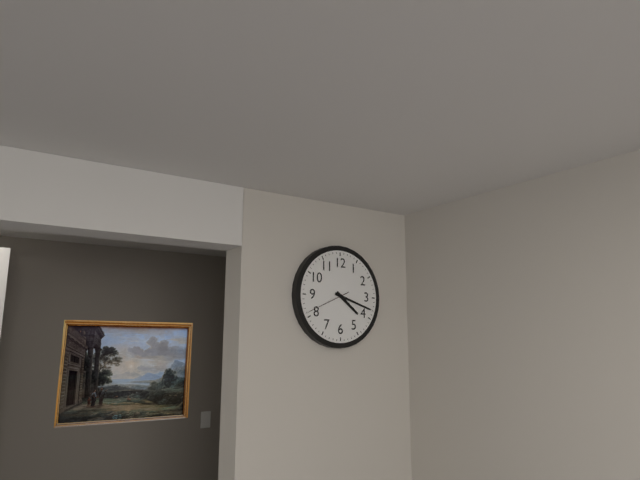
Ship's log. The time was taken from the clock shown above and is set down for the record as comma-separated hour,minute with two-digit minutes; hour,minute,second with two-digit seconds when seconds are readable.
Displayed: 4,18
